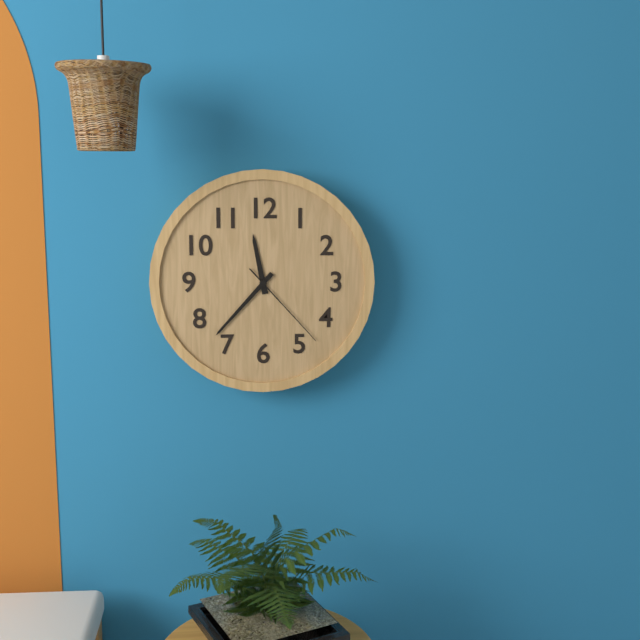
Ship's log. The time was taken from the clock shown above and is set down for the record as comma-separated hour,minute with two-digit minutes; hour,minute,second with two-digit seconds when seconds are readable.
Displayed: 11,37,23
